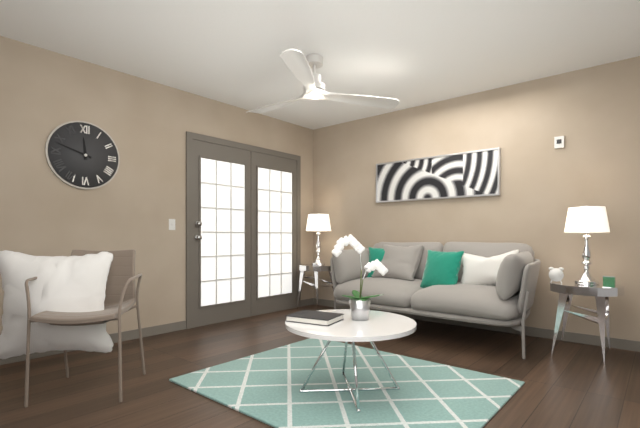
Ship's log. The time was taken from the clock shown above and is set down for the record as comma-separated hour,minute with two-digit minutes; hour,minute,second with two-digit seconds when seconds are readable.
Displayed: 11,48
